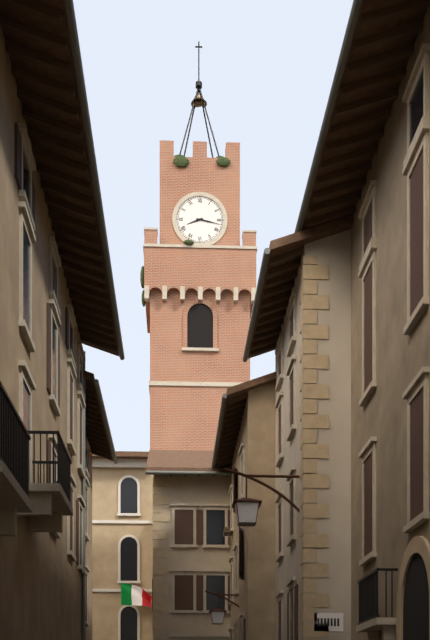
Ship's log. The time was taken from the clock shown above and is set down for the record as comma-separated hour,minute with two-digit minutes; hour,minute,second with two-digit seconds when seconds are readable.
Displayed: 8,17
